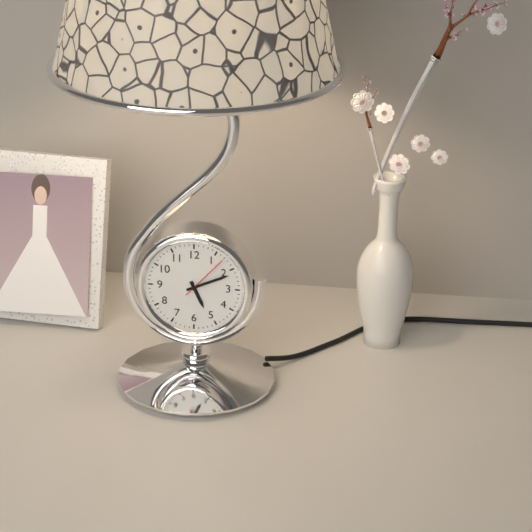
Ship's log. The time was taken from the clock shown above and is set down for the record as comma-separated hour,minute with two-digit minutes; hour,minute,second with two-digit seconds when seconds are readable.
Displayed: 5,11
